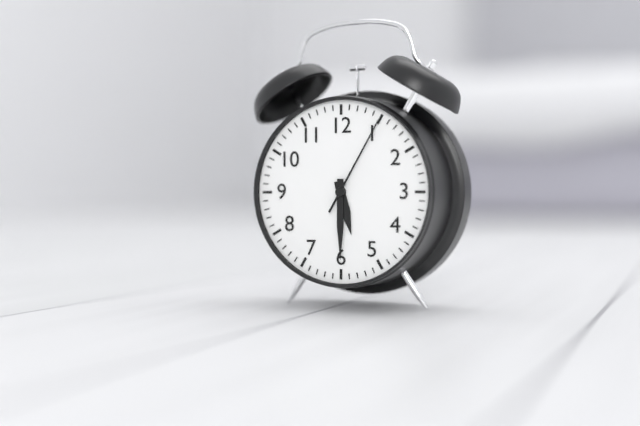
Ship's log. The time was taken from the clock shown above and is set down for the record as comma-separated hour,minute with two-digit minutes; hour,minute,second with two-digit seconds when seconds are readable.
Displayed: 5,30,05
